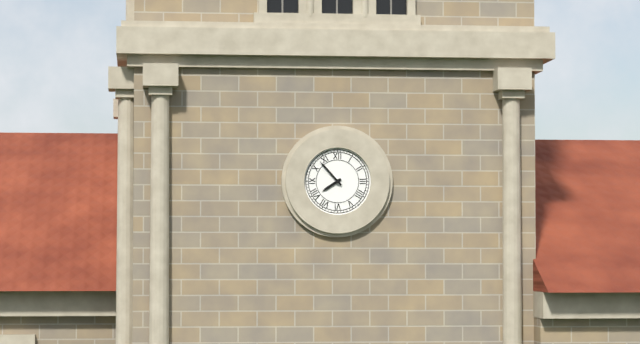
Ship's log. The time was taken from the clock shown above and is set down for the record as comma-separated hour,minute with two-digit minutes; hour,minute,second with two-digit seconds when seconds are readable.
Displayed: 7,53
